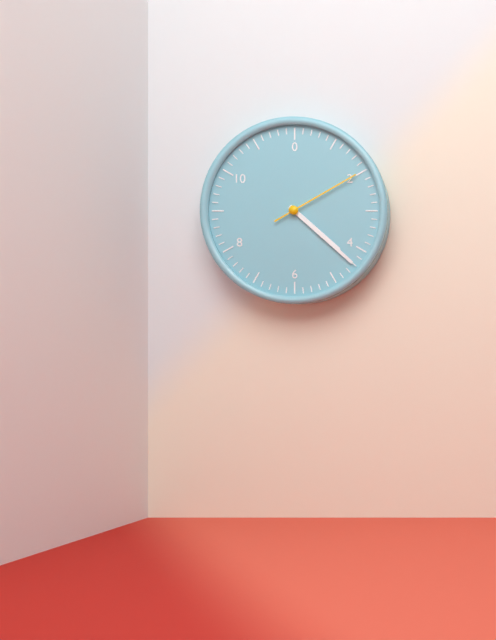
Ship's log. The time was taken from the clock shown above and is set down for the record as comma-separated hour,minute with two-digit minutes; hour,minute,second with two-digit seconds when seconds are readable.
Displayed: 4,22,10
